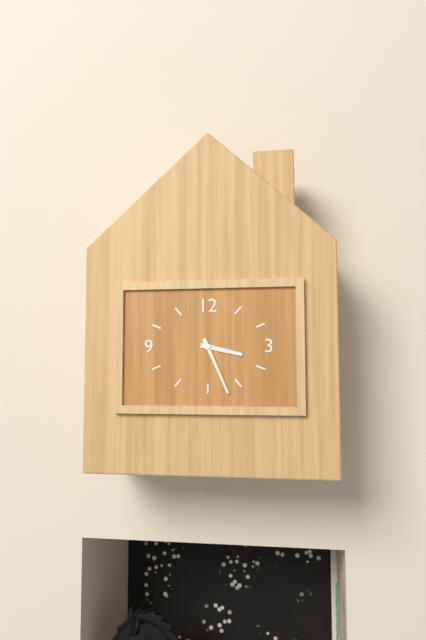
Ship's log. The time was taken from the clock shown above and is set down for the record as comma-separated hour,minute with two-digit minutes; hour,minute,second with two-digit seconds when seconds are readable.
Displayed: 3,26
